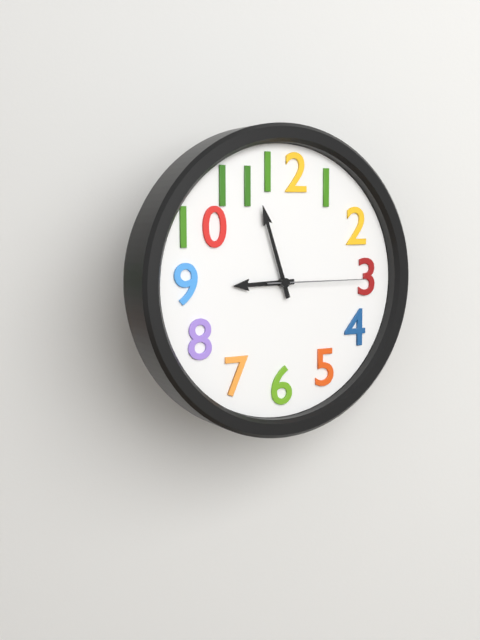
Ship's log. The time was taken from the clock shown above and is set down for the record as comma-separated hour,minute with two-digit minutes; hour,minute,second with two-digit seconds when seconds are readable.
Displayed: 8,57,15
